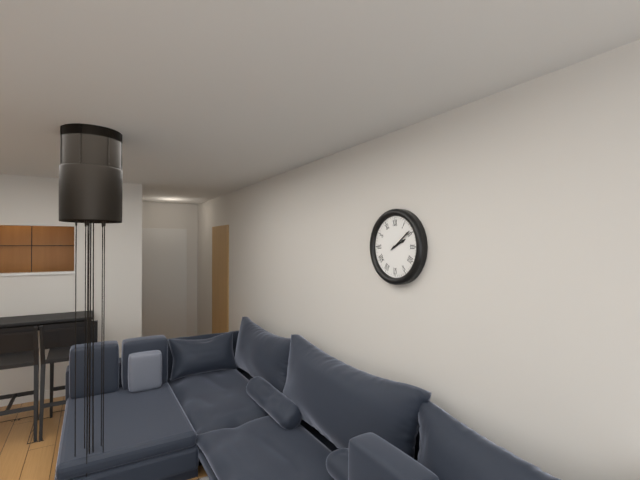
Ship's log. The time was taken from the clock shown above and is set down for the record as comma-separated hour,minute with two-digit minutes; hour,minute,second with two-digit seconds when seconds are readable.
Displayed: 2,09
